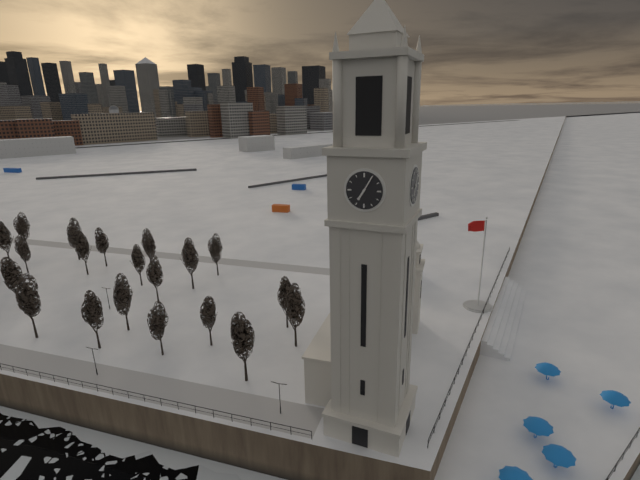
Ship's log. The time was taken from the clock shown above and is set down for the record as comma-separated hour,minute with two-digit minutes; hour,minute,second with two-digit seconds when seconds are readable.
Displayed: 7,05
